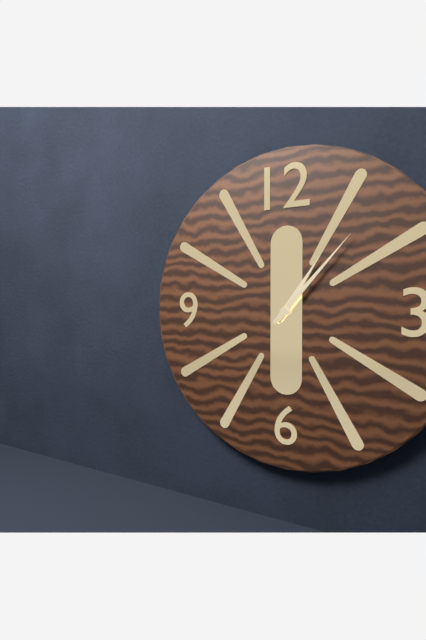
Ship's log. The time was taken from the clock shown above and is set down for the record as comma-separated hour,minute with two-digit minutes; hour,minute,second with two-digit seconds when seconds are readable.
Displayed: 1,07
